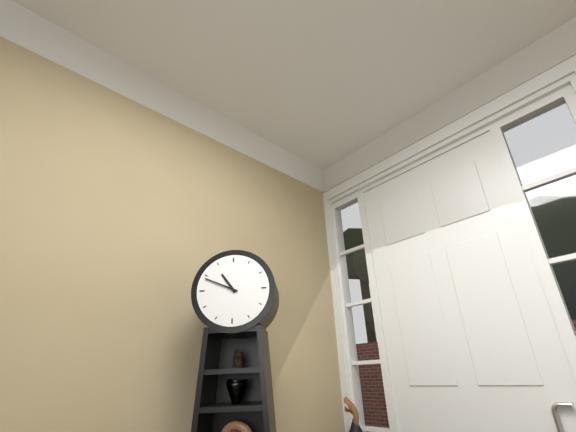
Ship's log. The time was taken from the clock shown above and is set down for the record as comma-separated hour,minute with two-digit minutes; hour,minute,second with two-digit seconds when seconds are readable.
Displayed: 10,49
